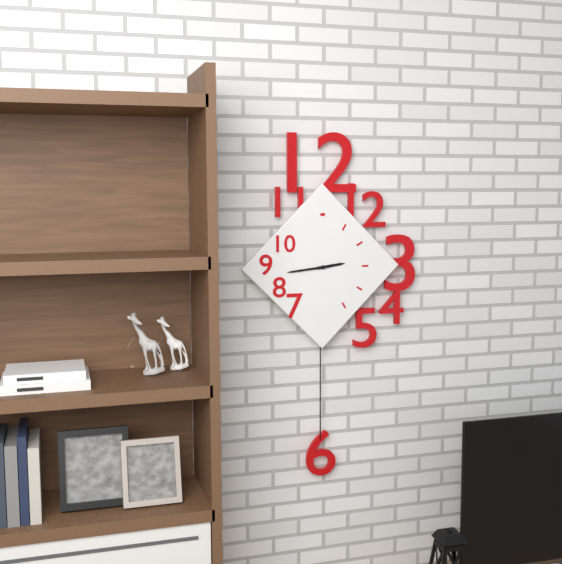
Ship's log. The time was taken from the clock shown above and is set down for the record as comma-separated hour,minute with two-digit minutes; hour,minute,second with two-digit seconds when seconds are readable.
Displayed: 2,44
